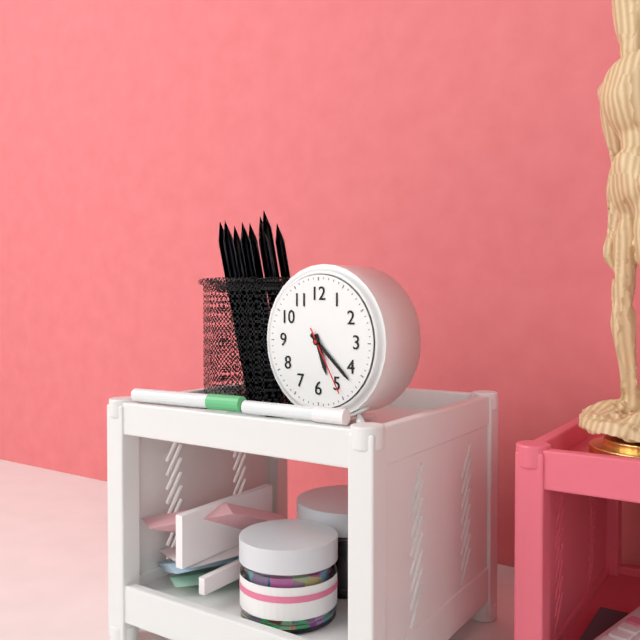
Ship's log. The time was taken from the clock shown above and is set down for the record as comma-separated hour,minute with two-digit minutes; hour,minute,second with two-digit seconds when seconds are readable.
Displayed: 5,22,25
